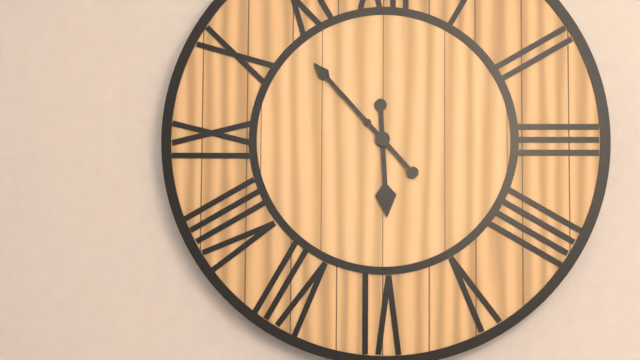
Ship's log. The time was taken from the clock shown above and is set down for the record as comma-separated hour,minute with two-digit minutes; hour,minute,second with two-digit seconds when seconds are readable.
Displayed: 5,53
